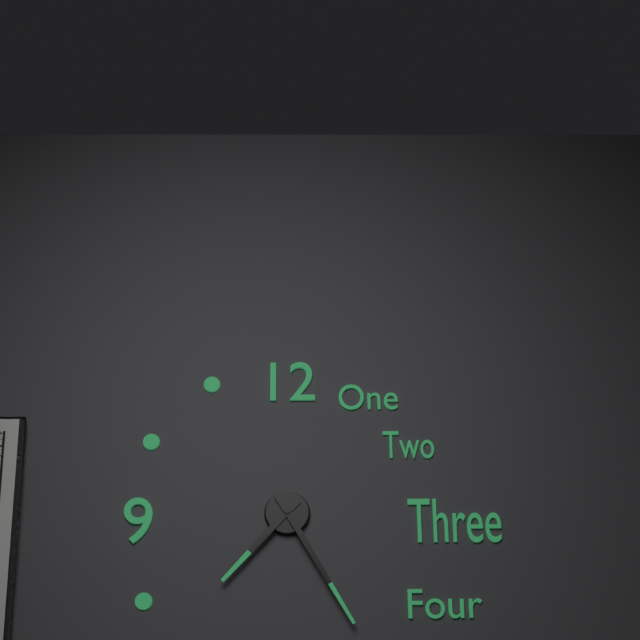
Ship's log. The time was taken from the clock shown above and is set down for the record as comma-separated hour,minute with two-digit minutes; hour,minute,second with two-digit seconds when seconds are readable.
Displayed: 7,25
